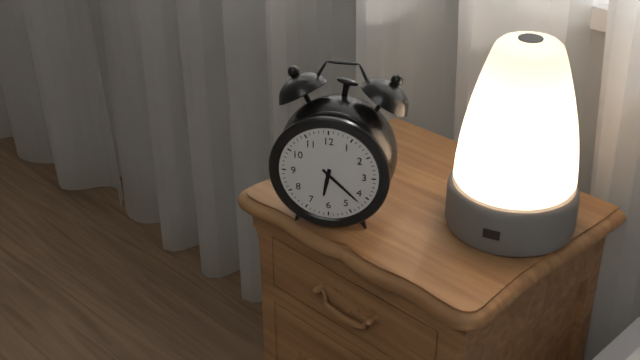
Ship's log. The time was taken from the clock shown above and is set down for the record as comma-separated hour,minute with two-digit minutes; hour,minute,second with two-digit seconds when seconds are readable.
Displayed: 6,22
